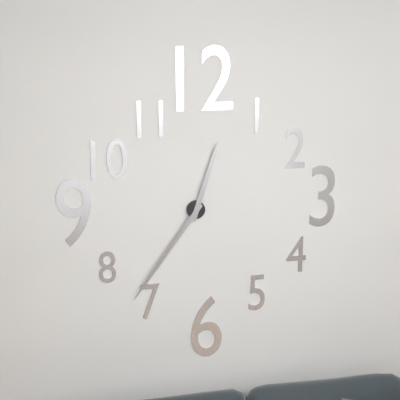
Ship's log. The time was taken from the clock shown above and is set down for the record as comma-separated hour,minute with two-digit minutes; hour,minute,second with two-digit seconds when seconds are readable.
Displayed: 12,36
